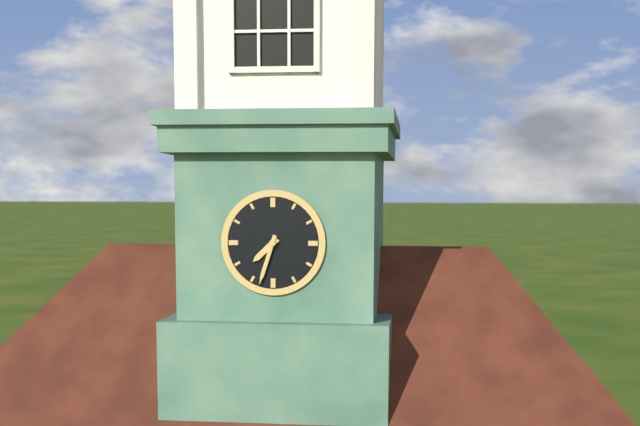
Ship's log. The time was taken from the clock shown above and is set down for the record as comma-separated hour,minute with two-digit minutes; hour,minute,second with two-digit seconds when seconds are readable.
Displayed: 7,33
